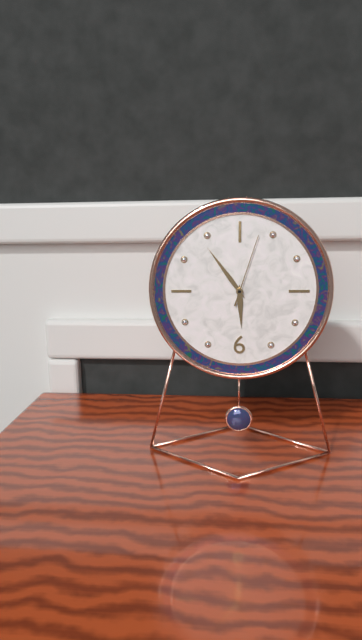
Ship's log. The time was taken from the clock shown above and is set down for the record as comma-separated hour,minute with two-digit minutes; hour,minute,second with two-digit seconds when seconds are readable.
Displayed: 5,54,03
